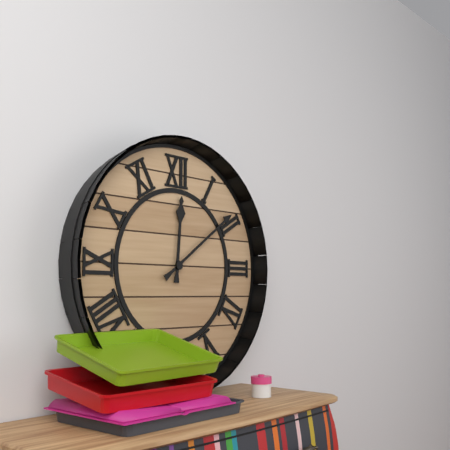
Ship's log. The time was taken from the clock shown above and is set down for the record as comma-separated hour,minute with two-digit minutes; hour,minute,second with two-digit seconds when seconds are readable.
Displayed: 12,09
